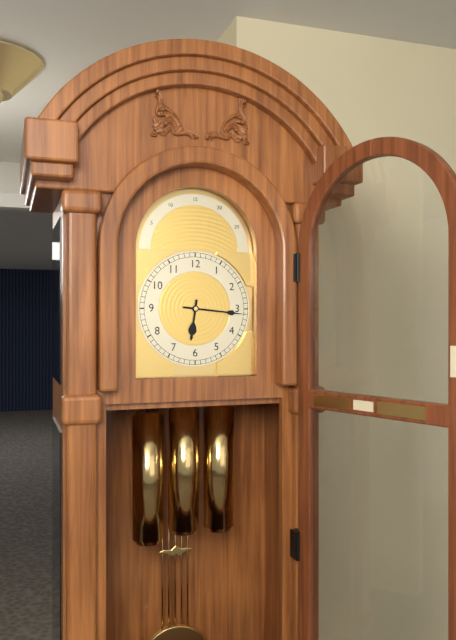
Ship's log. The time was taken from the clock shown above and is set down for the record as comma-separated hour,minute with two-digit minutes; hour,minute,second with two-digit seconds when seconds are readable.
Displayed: 6,16
